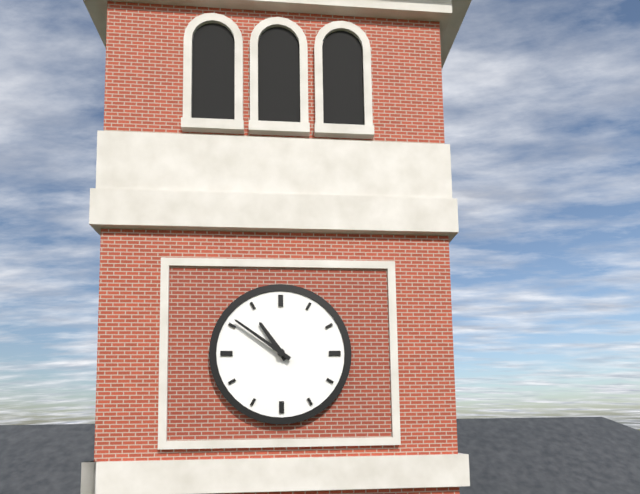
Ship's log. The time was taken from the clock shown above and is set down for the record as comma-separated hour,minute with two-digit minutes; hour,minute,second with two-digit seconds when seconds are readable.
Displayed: 10,51
